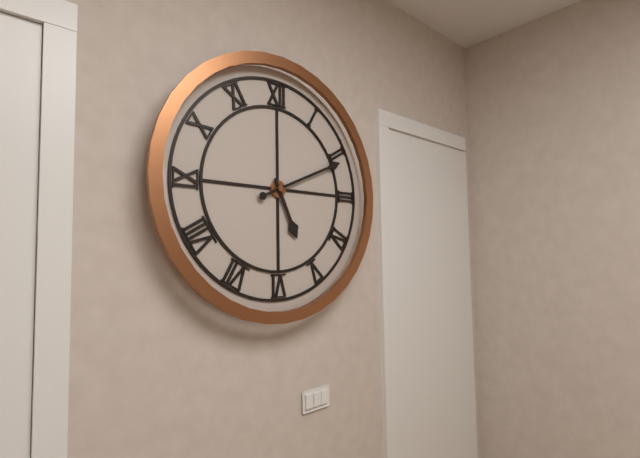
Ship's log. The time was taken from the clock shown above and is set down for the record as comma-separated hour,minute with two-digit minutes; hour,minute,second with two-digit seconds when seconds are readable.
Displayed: 5,11
